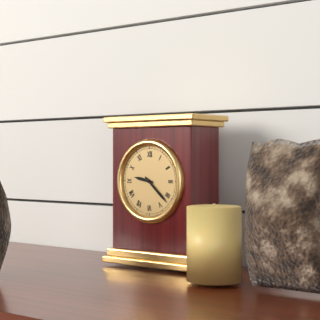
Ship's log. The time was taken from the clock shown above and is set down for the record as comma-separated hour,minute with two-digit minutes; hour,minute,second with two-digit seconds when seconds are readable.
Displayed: 9,22
